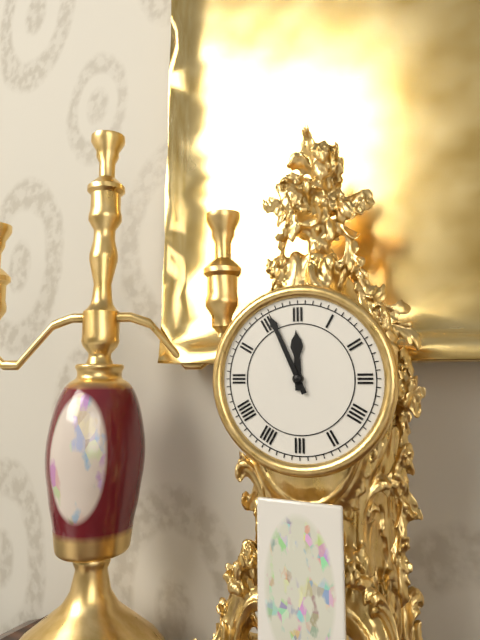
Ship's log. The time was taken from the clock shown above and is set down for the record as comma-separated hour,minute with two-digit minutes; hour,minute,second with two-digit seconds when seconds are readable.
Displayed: 11,56
